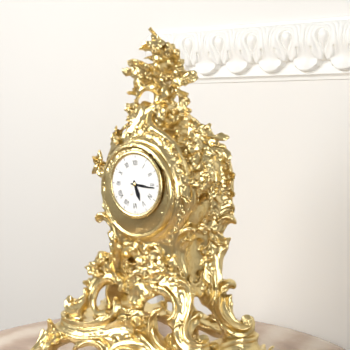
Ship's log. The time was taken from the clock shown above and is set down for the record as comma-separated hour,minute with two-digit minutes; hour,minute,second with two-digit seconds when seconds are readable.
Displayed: 5,16
